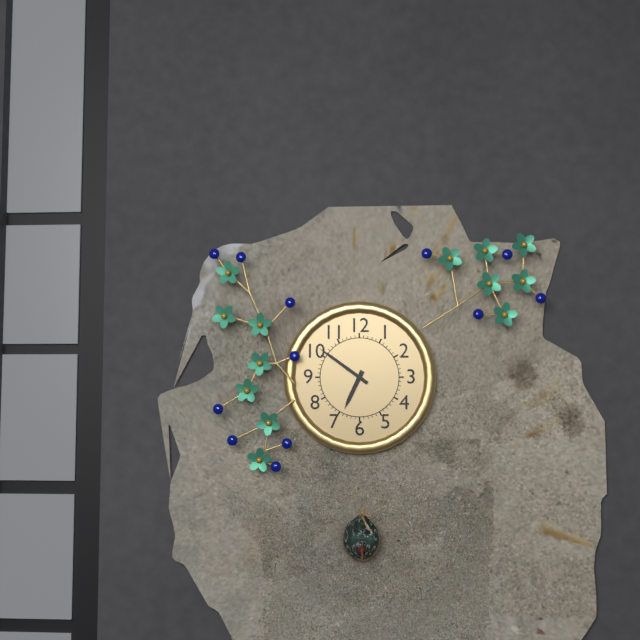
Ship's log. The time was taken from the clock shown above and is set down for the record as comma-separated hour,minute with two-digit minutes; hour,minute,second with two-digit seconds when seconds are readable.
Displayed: 6,51
